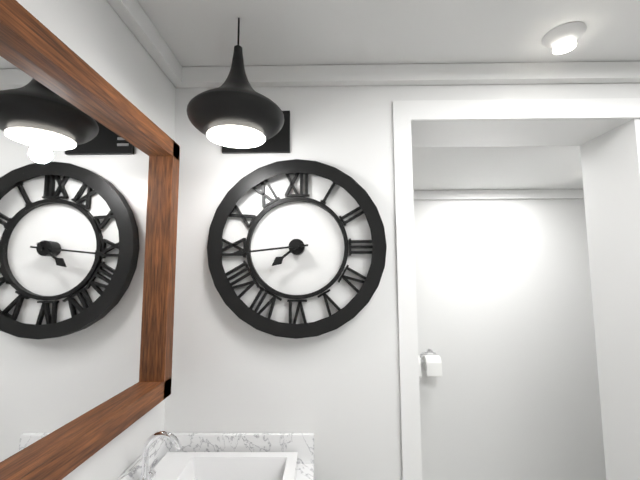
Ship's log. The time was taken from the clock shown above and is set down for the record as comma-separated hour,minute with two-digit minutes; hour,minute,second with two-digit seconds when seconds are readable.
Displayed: 7,44
